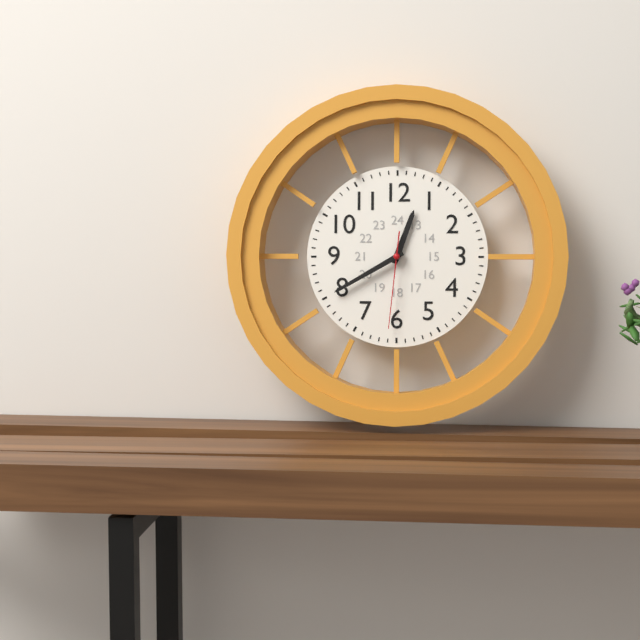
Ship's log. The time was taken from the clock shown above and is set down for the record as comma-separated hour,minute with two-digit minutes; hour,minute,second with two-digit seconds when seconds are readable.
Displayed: 12,40,31
